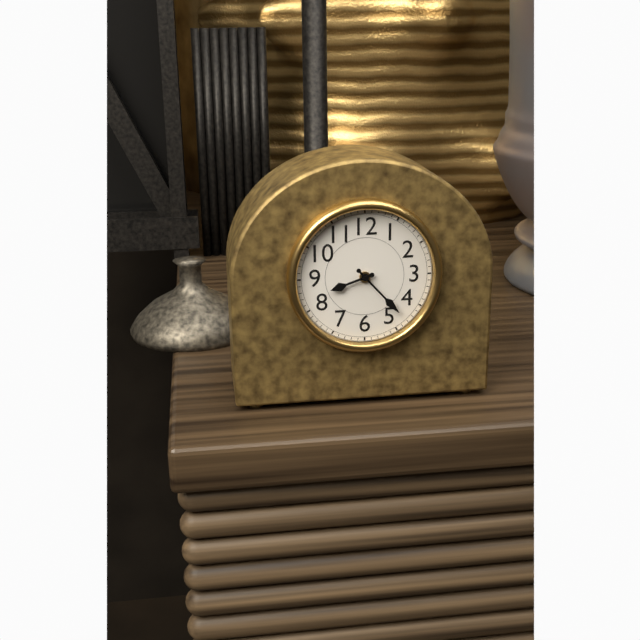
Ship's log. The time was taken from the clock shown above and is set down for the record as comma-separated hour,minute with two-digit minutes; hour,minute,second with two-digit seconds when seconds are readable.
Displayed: 8,23
